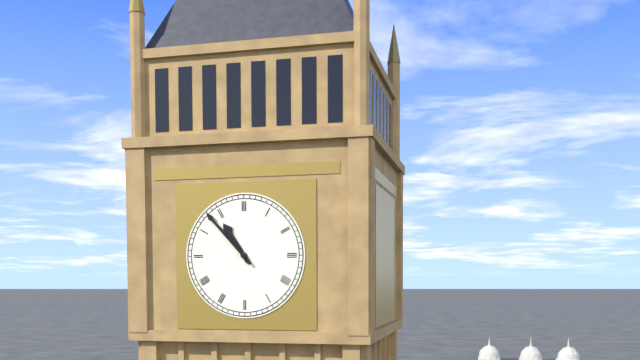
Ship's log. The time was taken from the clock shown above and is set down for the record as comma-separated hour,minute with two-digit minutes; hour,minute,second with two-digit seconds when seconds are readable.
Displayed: 10,53
